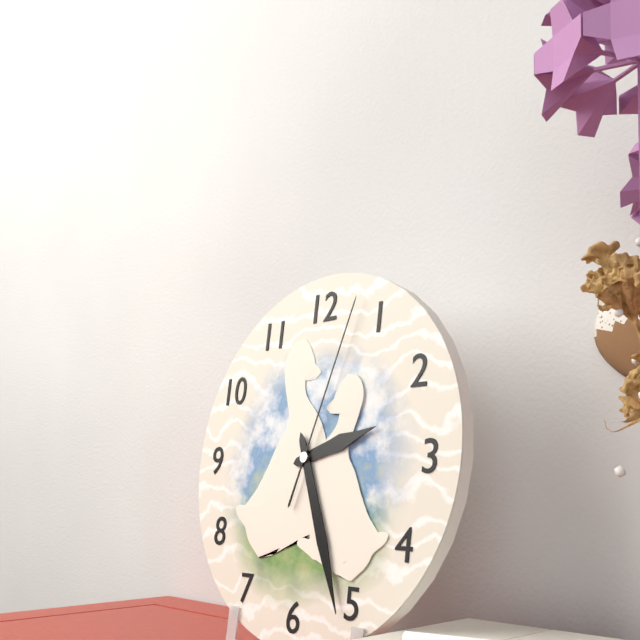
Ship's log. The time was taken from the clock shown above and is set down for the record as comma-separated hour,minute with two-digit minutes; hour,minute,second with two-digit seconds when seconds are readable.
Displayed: 2,26,03
